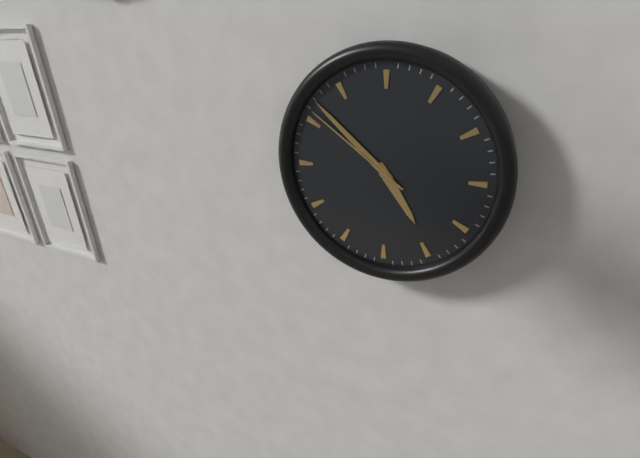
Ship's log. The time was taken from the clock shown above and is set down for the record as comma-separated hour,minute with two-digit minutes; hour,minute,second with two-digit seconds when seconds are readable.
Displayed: 4,52,51
